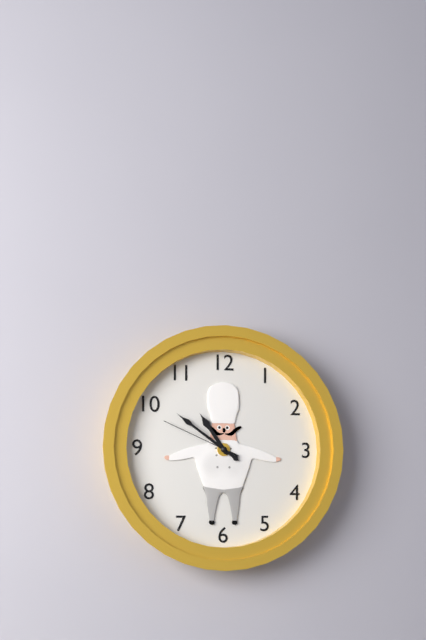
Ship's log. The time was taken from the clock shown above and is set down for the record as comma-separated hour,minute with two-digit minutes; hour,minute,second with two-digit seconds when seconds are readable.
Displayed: 10,51,49
